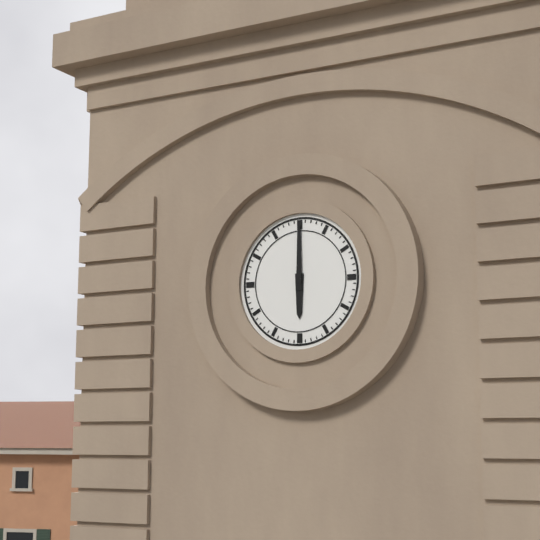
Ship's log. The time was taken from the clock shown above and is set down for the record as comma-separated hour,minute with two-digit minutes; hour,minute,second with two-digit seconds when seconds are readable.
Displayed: 6,00
